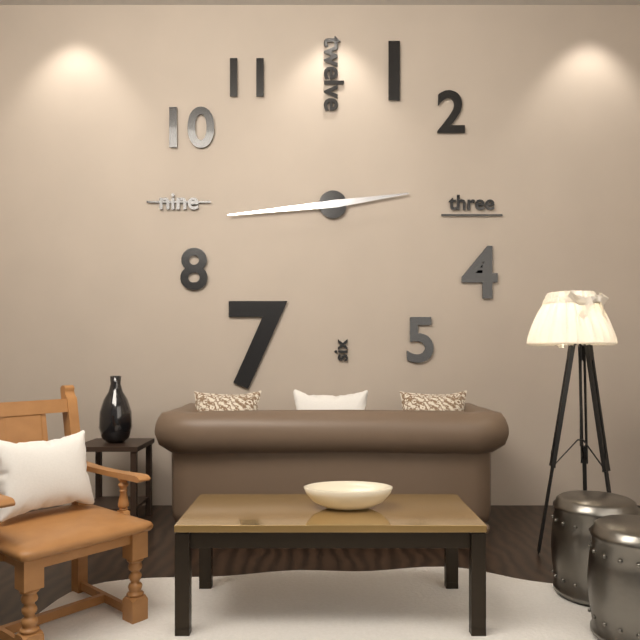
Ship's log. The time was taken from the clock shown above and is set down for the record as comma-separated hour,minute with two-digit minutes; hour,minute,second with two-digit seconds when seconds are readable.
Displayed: 2,44
